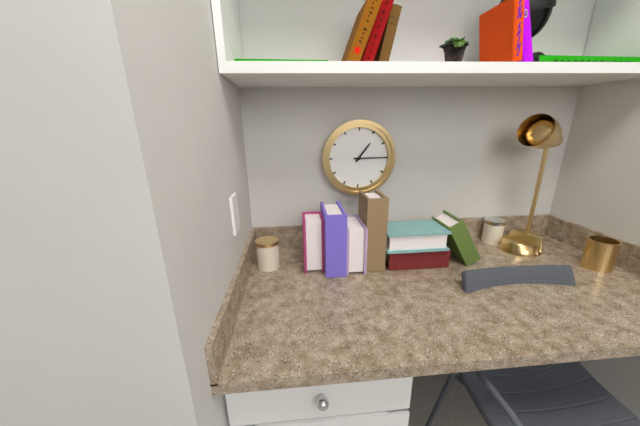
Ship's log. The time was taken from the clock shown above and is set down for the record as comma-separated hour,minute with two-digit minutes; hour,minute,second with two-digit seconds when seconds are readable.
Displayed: 1,15
